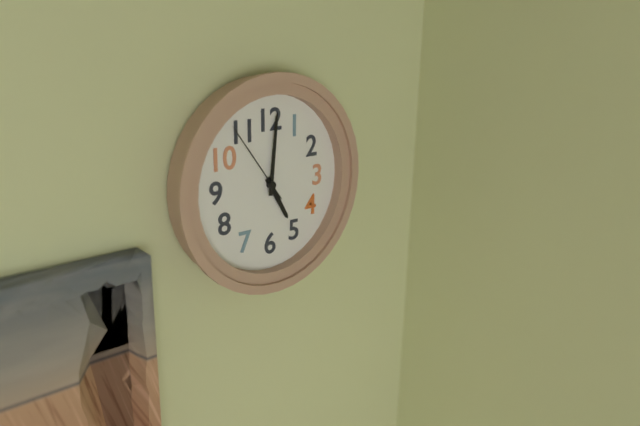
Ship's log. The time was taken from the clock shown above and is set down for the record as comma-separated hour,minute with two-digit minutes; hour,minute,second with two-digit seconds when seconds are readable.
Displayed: 5,01,54
